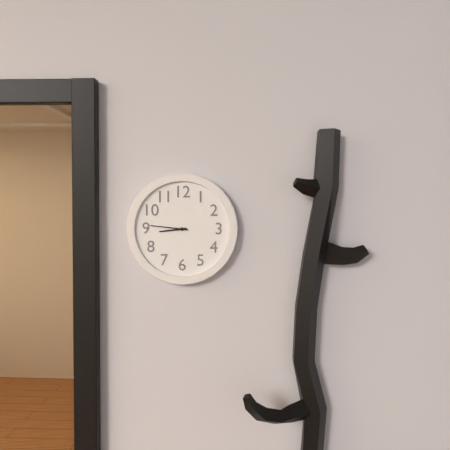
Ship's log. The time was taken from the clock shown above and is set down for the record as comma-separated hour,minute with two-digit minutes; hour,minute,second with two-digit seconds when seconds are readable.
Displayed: 8,46
